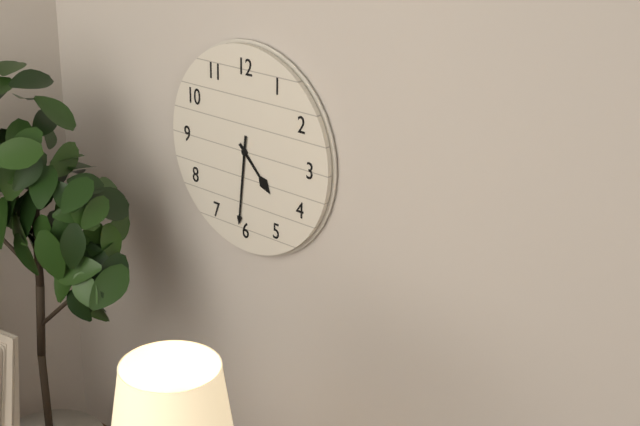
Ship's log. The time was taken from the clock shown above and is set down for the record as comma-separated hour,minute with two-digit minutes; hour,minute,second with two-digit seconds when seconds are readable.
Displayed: 4,31
